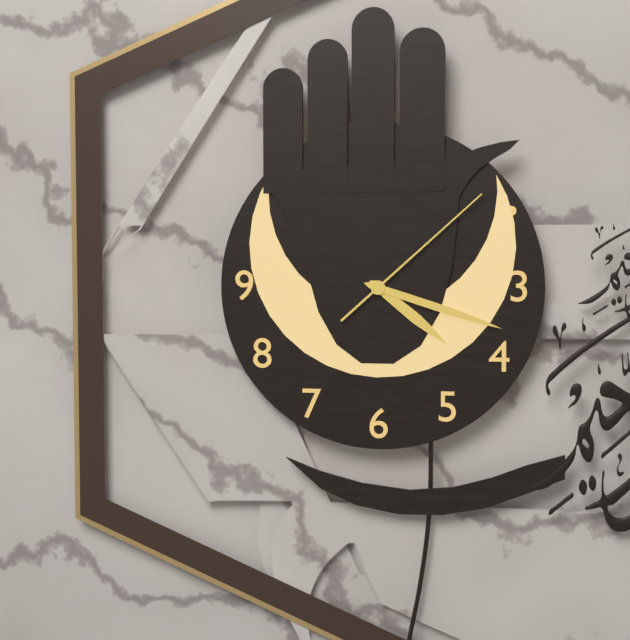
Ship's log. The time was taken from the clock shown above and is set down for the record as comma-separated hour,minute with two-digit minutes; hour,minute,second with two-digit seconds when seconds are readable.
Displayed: 4,18,08
